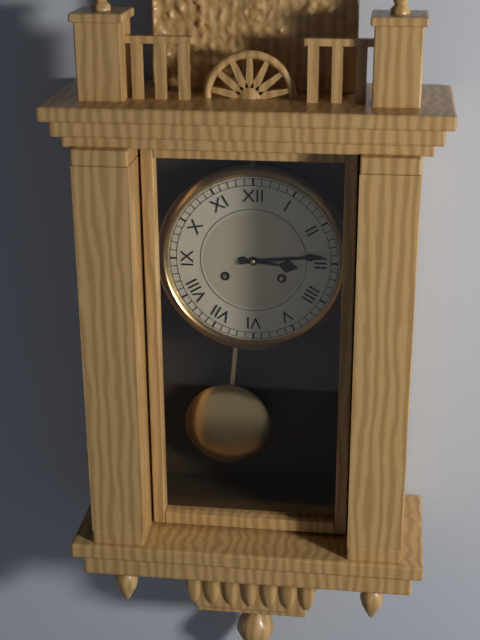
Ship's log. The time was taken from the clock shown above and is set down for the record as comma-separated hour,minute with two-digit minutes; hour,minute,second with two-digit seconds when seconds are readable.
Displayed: 3,14
